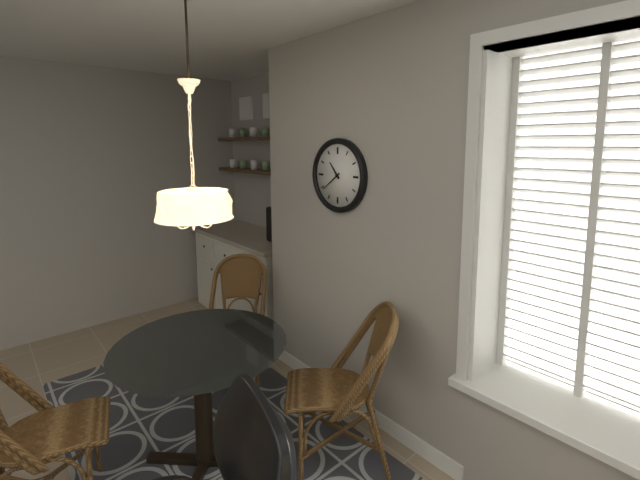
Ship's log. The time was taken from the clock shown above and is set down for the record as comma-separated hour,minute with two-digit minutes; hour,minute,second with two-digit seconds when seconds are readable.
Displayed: 10,39
